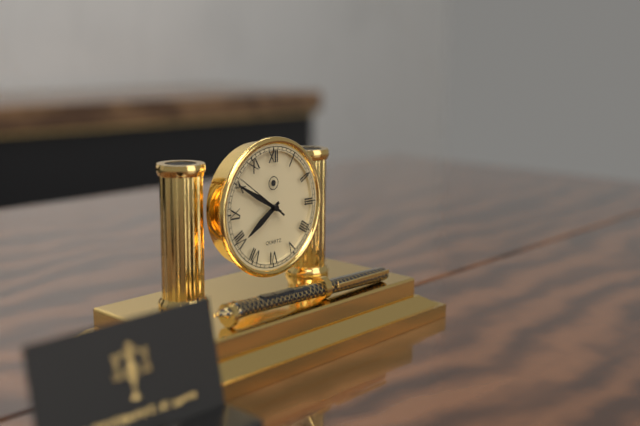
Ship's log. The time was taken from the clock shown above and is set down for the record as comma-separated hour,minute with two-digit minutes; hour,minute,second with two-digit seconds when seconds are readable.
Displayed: 7,50,51
